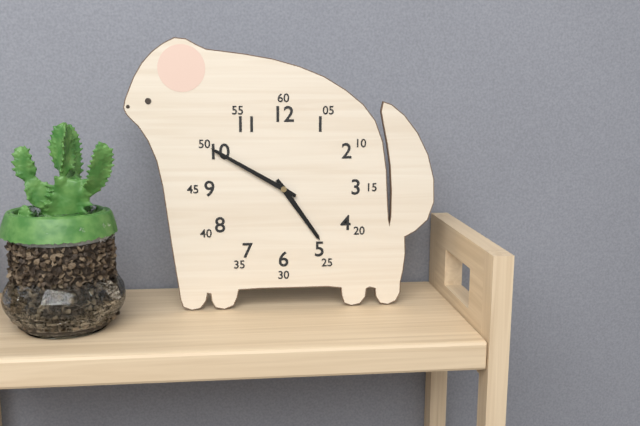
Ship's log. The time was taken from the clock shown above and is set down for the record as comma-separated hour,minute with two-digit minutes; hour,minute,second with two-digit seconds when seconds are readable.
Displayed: 4,50
